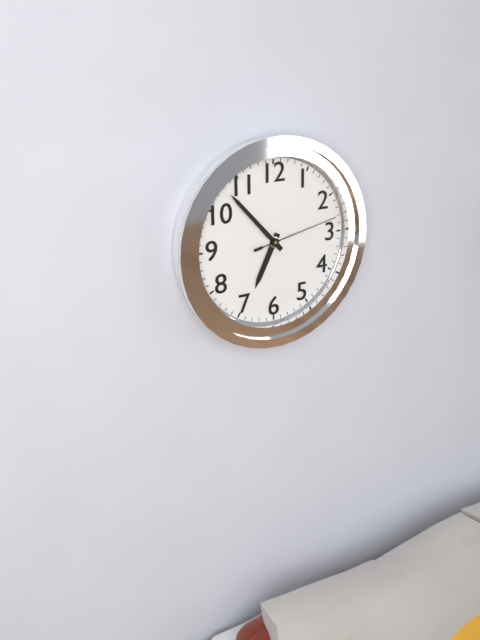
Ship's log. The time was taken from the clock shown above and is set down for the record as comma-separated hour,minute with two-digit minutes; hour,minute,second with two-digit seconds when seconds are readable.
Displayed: 6,53,13
